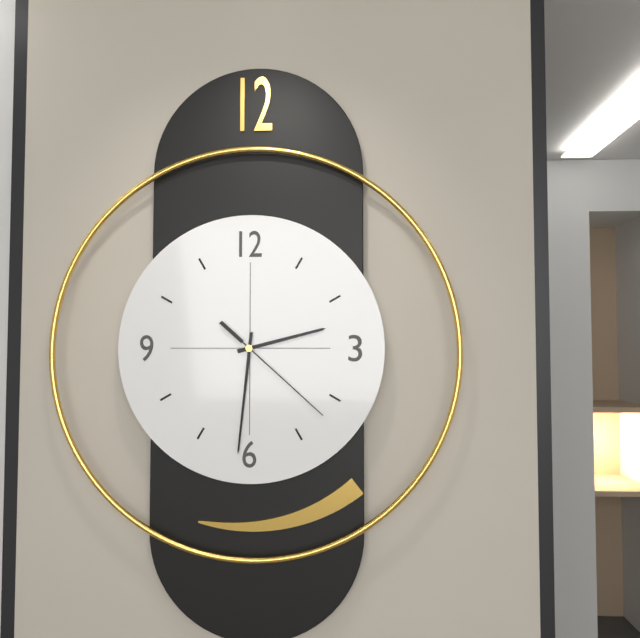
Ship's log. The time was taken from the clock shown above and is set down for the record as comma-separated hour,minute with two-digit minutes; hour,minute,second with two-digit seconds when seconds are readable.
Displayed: 2,31,22
